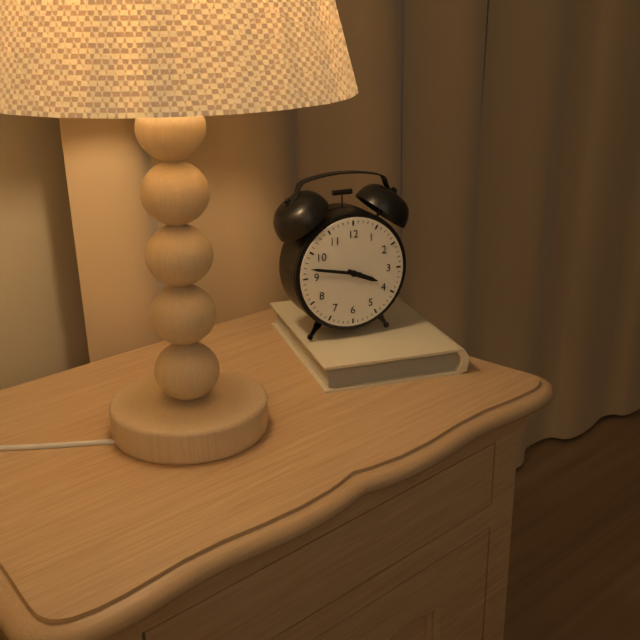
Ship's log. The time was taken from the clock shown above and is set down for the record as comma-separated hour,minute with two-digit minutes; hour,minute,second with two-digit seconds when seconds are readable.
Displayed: 3,47
